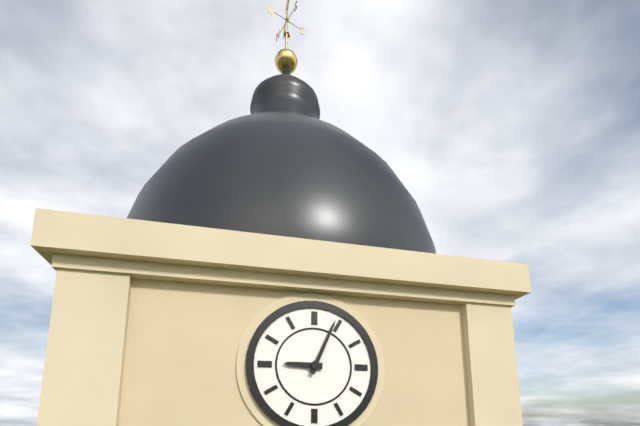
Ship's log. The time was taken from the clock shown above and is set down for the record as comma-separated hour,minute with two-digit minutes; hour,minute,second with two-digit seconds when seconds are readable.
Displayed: 9,04
